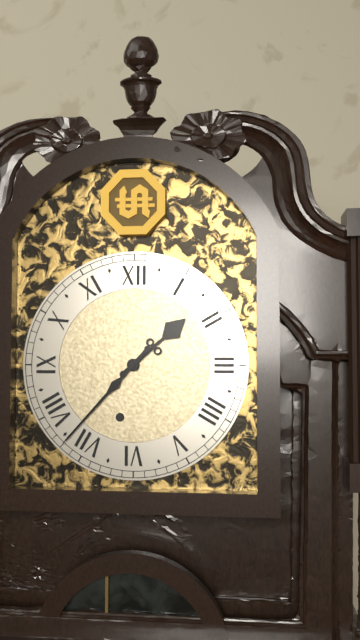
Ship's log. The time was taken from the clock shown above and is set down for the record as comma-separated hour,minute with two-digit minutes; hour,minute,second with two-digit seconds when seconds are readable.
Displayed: 1,37
